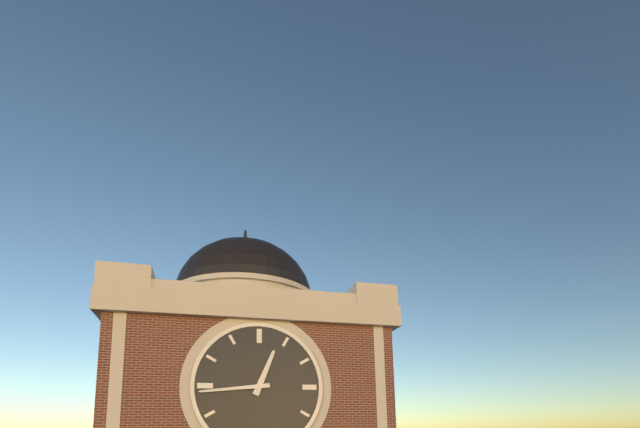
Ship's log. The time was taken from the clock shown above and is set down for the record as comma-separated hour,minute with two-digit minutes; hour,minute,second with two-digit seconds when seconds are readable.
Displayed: 12,44
